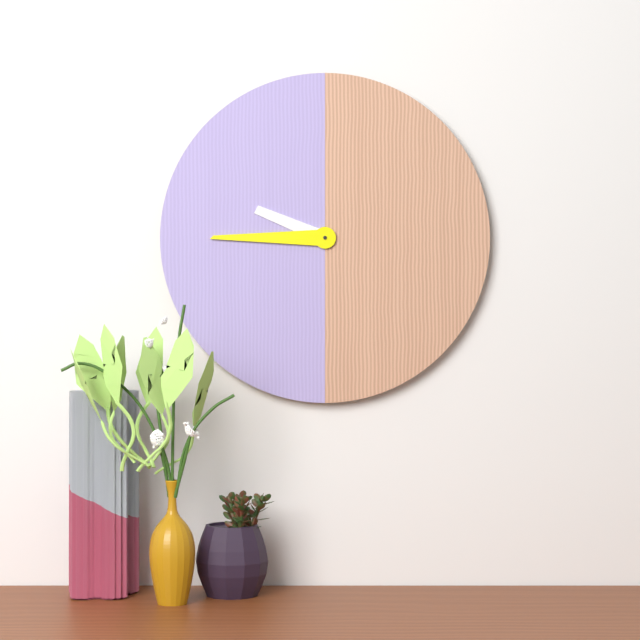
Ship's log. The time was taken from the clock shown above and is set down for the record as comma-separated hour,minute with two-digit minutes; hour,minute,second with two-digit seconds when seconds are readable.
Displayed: 9,45
